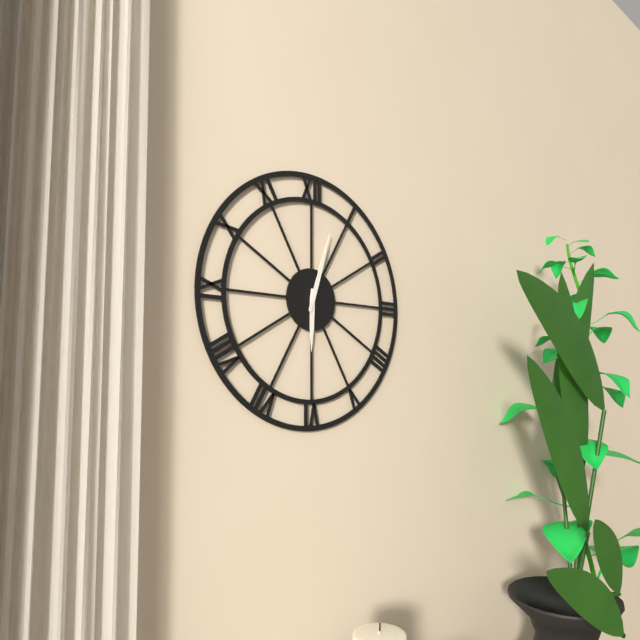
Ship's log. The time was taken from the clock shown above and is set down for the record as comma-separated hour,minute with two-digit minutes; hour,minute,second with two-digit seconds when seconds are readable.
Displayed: 6,03
